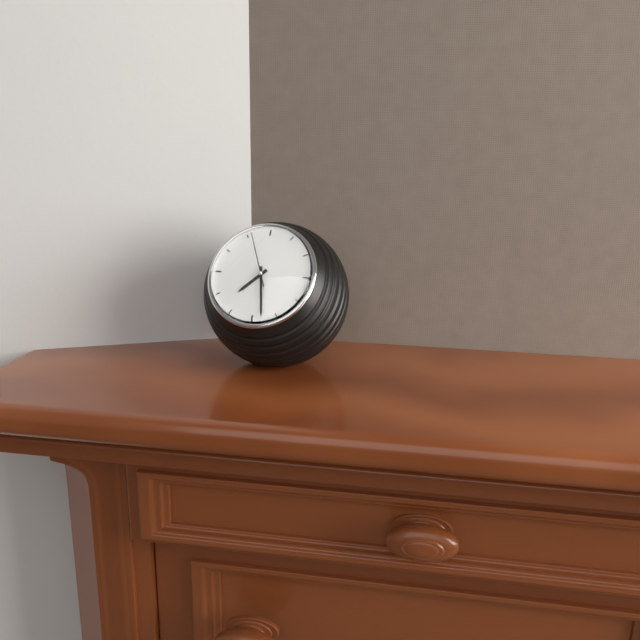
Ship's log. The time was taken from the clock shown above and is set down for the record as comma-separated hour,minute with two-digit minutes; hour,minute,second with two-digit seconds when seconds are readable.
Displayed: 7,28,56
